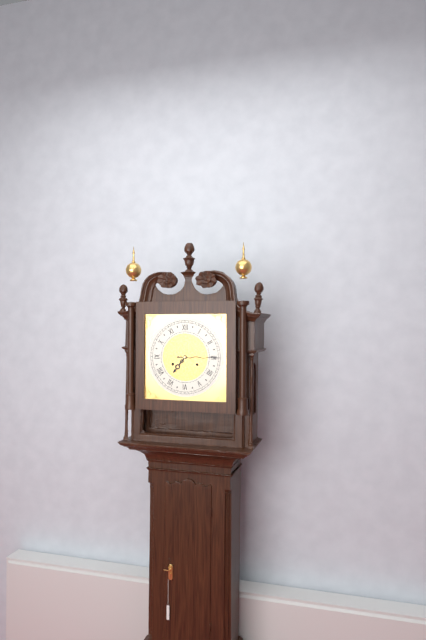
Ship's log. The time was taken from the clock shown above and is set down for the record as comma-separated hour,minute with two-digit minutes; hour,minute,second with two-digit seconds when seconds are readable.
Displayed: 7,15
